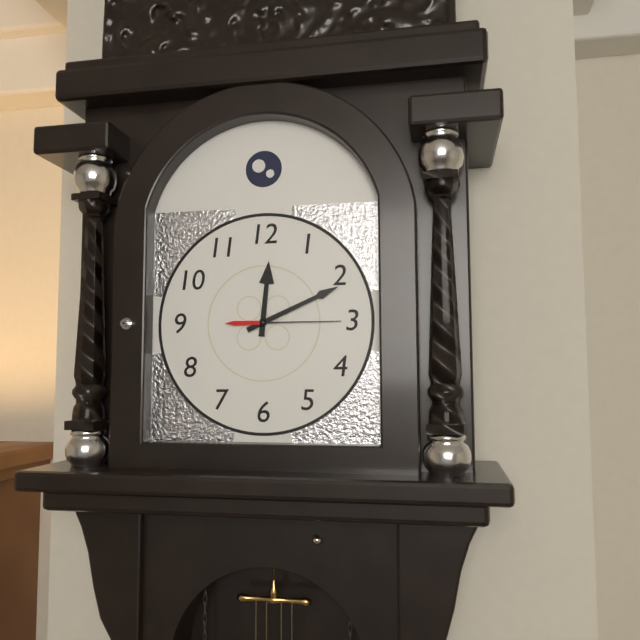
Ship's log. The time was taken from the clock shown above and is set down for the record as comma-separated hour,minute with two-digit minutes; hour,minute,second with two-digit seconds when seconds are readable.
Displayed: 12,11,15
